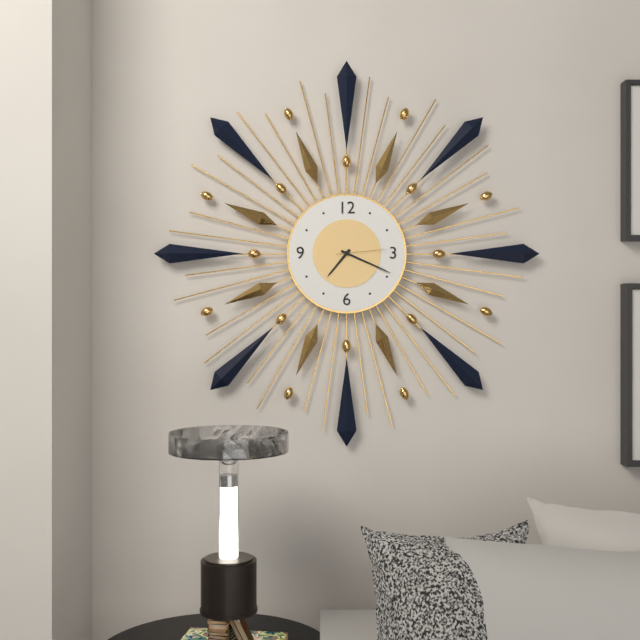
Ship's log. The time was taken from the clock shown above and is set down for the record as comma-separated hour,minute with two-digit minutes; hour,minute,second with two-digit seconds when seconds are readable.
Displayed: 7,19,14
